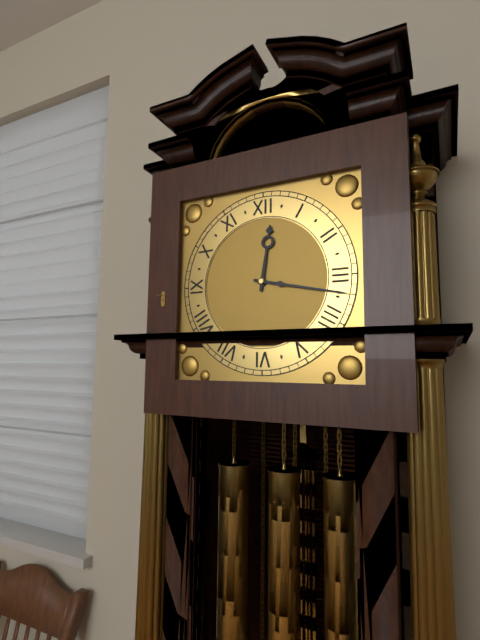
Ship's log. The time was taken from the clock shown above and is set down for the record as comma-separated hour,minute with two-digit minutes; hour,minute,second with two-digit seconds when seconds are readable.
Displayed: 12,17
